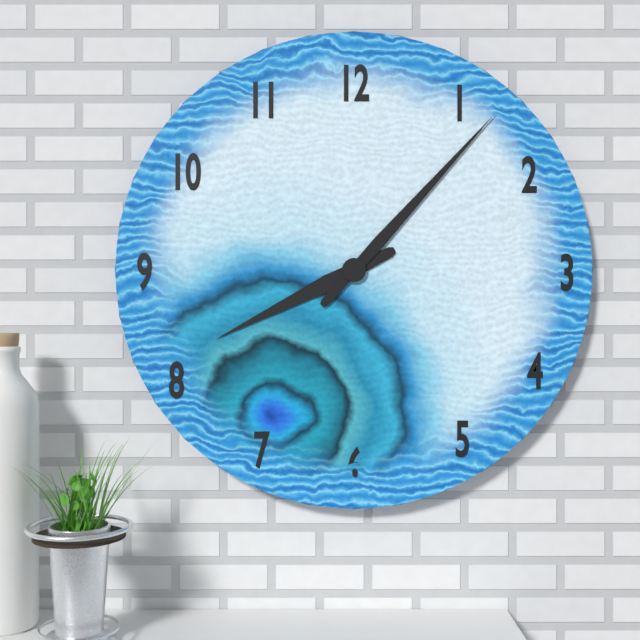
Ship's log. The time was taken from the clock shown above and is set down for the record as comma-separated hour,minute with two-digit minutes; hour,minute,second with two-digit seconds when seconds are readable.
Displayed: 8,07
